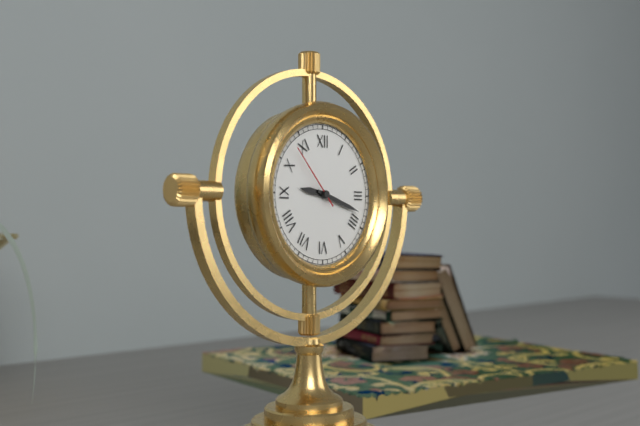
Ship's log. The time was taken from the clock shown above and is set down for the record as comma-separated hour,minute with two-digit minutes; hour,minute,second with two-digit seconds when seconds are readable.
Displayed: 9,18,53
